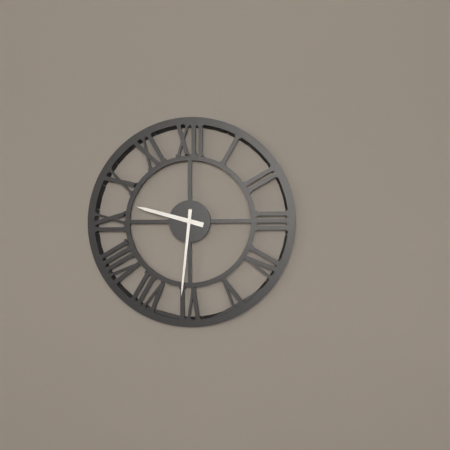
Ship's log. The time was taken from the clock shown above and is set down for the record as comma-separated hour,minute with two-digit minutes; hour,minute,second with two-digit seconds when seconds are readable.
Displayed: 9,31
